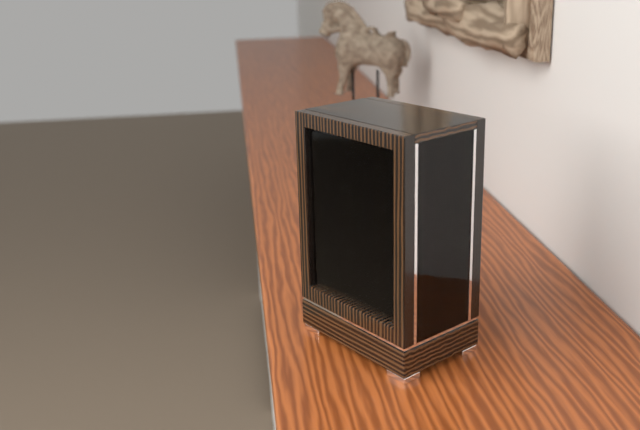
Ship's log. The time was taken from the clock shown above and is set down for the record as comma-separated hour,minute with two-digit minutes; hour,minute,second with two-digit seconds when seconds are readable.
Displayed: 5,55
